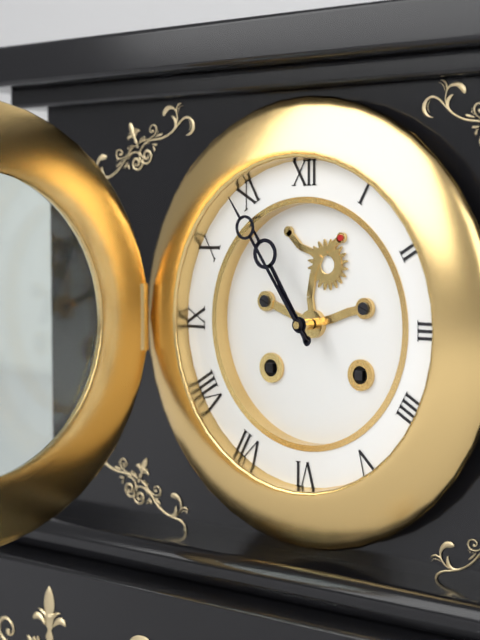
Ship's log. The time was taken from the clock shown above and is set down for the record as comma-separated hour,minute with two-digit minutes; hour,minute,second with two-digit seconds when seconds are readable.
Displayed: 10,54
